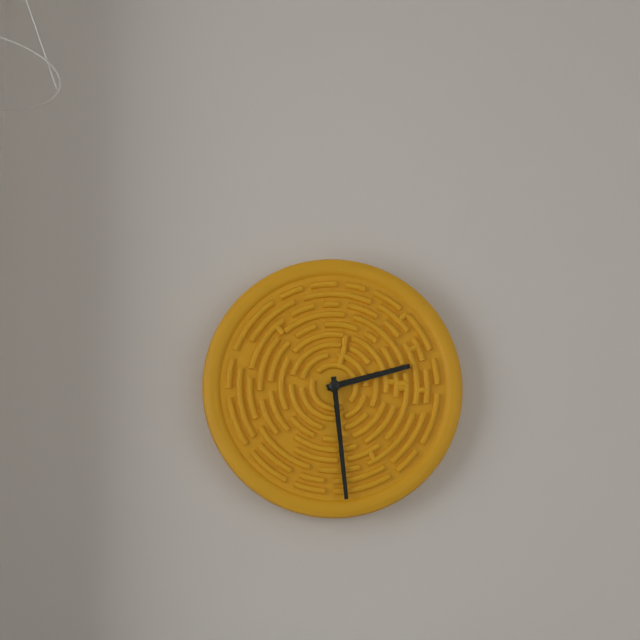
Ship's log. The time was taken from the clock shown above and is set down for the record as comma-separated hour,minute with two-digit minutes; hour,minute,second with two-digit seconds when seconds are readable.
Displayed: 2,29
